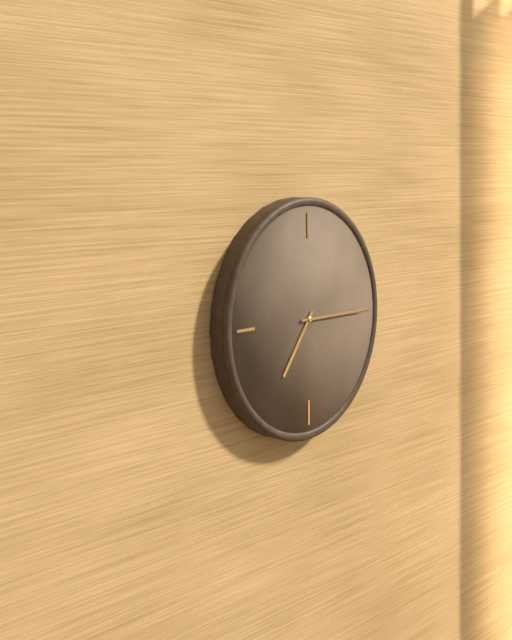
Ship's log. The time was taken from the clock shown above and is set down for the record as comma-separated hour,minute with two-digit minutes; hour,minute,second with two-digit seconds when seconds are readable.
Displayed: 7,15
